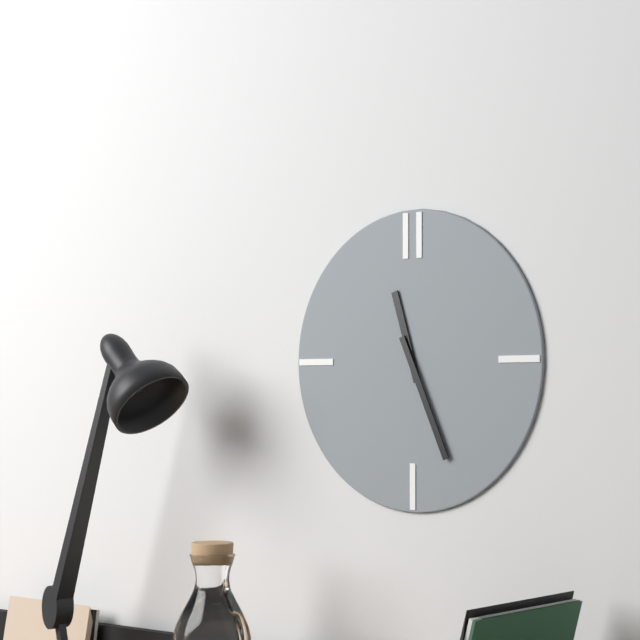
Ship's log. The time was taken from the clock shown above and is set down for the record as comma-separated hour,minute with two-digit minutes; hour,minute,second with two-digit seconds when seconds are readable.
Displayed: 11,26
